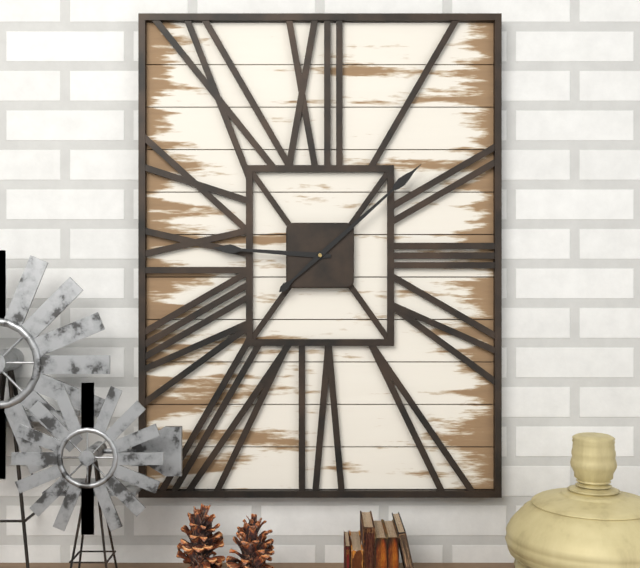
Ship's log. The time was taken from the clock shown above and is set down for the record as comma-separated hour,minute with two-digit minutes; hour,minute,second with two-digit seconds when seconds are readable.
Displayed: 9,08
